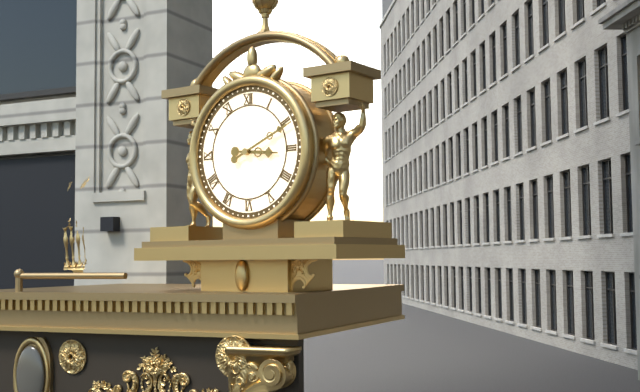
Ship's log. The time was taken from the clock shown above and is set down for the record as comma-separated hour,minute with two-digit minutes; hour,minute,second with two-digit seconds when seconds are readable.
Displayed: 3,11
